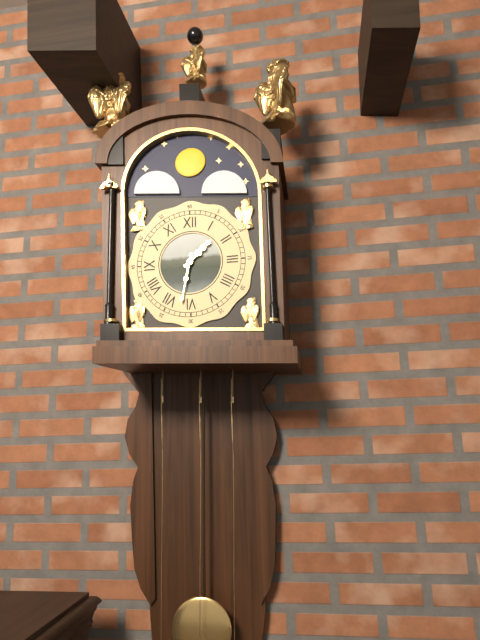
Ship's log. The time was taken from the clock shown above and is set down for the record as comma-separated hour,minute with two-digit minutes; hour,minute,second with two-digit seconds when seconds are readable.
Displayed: 1,32
